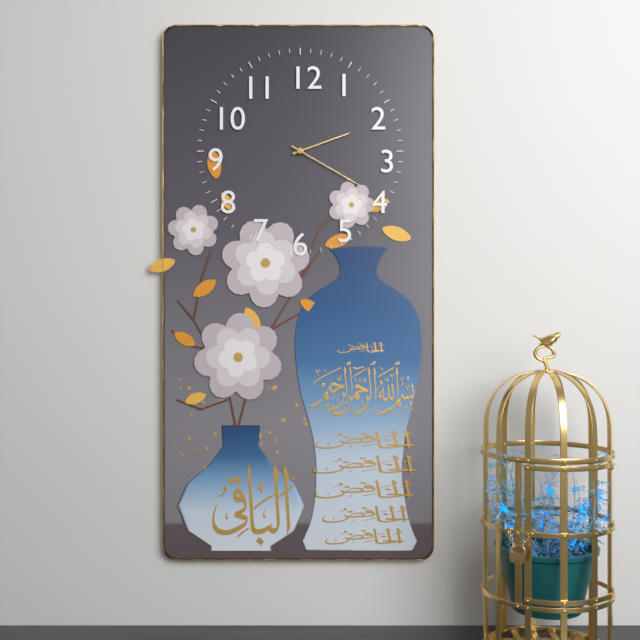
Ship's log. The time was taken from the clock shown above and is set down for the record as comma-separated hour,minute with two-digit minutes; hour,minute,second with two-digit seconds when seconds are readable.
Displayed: 2,20
